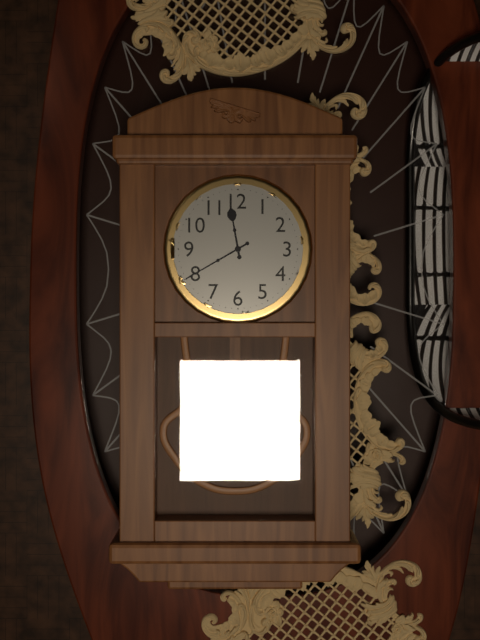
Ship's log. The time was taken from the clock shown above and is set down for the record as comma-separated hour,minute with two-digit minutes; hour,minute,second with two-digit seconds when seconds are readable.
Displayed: 11,40
